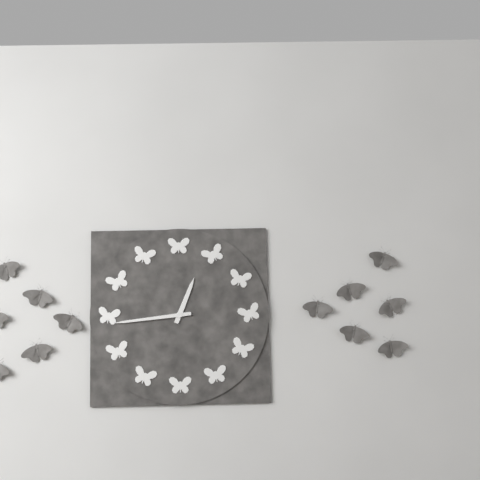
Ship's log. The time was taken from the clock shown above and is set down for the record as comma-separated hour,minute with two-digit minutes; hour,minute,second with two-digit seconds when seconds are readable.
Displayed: 12,44
